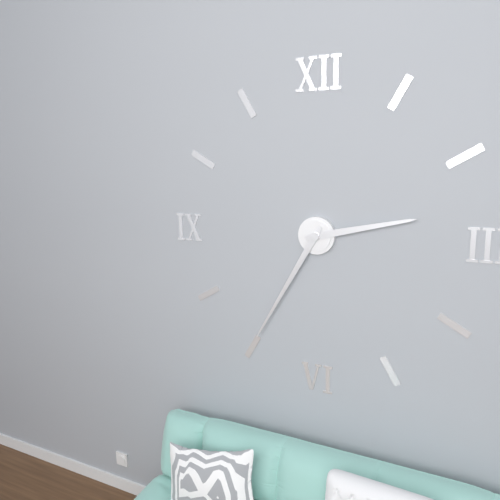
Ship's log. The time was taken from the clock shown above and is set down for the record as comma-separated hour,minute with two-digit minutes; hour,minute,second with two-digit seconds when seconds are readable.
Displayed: 2,35
